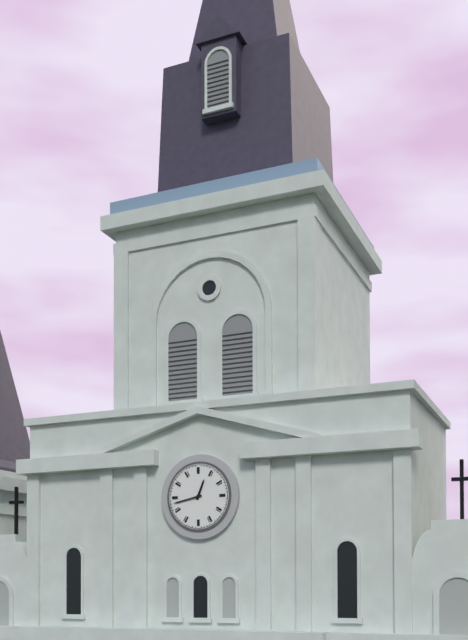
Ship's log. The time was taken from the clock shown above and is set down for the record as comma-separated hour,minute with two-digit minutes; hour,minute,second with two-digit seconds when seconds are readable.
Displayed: 12,43
